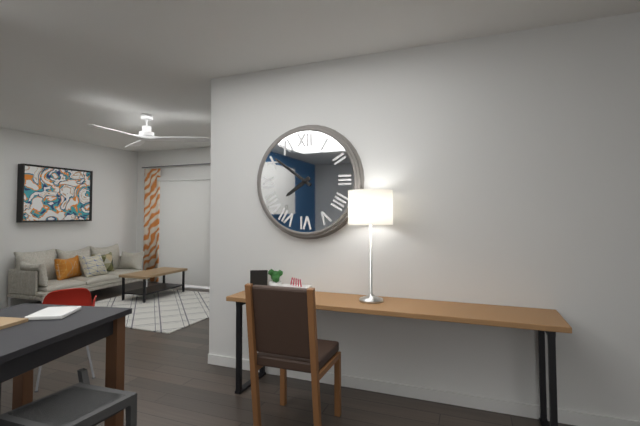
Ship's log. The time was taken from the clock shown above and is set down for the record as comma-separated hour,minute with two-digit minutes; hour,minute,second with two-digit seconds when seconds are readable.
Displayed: 7,51
